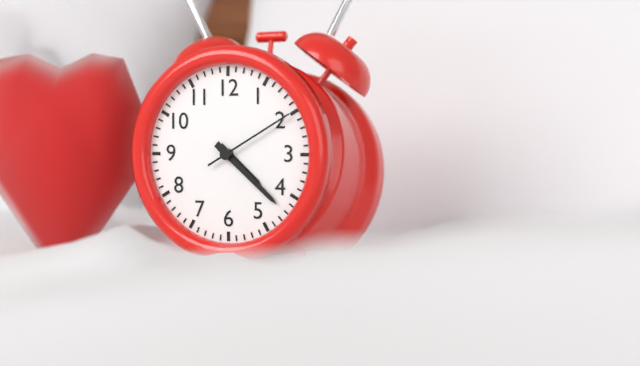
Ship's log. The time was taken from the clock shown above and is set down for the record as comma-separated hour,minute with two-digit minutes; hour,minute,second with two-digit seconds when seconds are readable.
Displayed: 4,22,10
